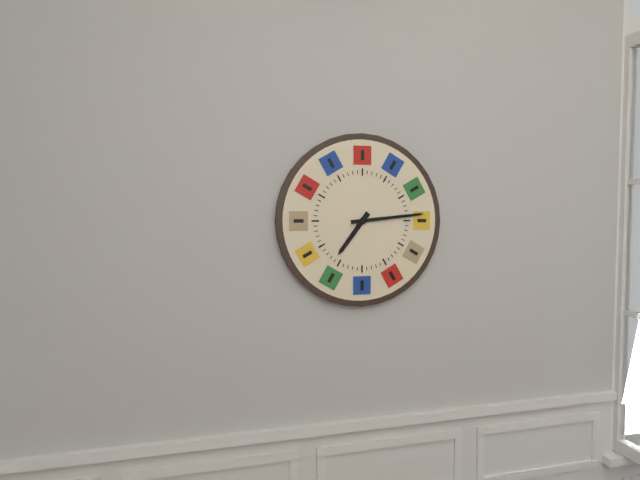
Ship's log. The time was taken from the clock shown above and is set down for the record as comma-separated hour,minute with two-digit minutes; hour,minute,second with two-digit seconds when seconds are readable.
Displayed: 7,14
